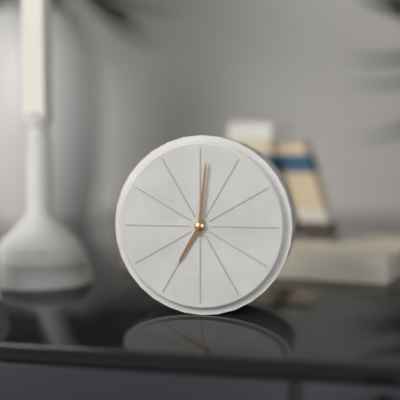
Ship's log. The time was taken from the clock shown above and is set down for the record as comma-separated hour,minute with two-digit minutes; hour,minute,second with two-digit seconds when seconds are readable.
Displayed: 7,01
